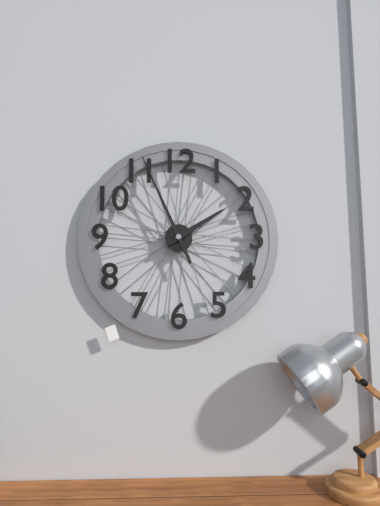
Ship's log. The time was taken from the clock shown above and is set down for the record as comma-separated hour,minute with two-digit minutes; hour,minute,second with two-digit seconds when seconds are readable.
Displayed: 1,56
